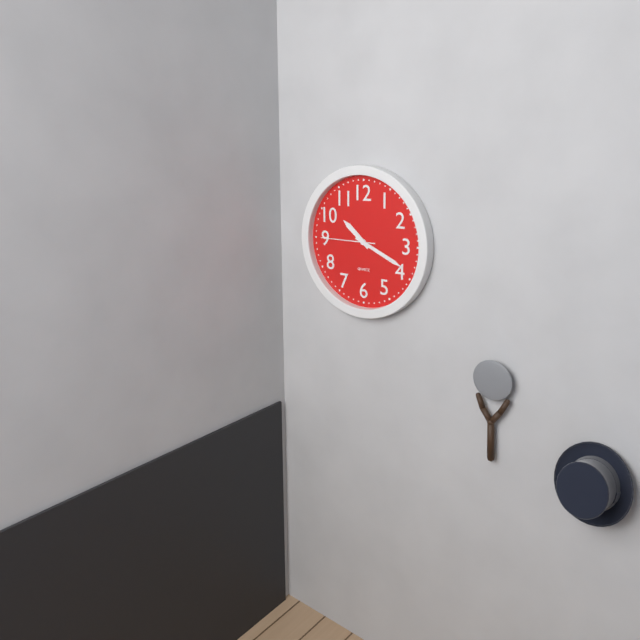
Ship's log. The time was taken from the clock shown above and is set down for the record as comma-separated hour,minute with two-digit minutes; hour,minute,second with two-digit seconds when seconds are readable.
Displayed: 10,19,45
